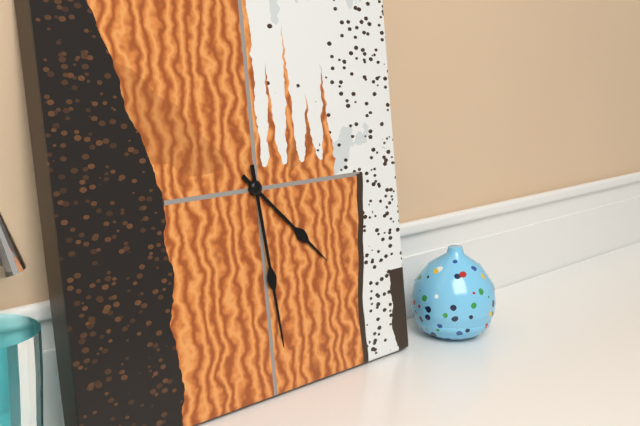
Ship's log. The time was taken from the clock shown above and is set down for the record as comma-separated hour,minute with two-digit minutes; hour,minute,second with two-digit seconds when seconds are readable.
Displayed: 4,29
